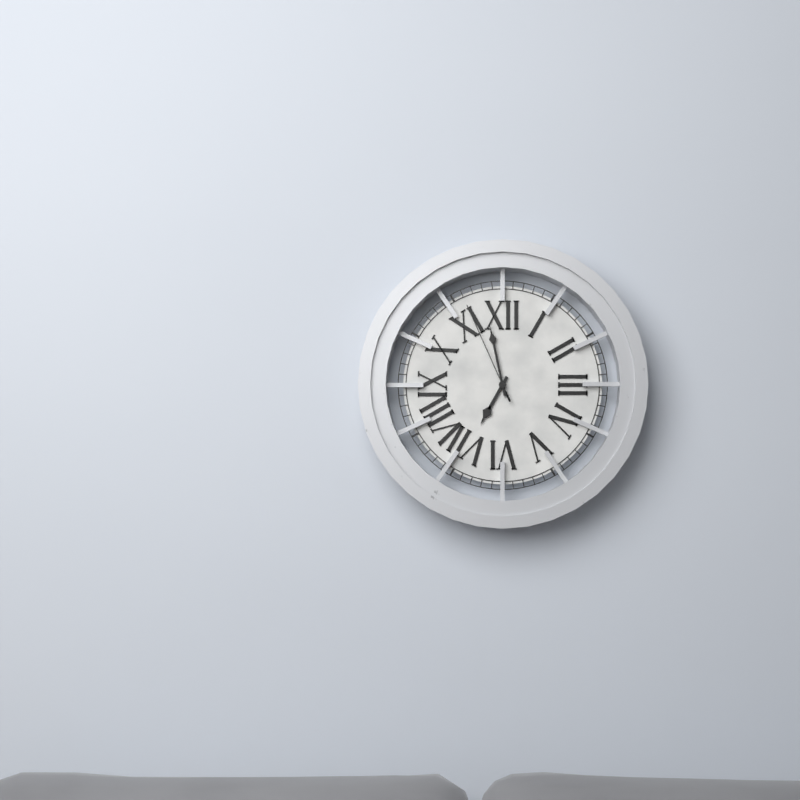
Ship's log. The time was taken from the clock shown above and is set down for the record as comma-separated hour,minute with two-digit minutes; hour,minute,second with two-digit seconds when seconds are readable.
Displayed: 6,58,56
